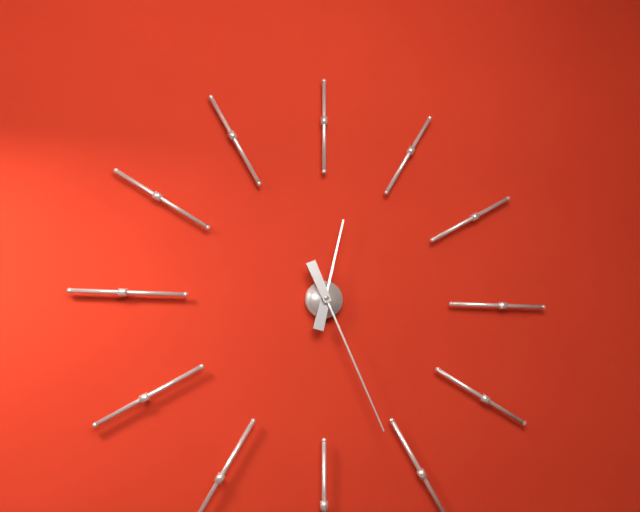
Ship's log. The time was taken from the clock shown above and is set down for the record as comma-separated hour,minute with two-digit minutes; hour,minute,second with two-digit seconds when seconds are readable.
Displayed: 12,26
